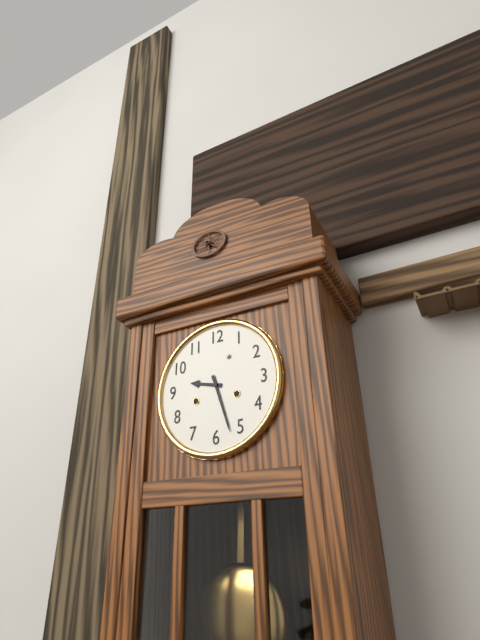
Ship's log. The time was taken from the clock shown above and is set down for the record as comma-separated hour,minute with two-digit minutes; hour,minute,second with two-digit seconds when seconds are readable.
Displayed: 9,27
